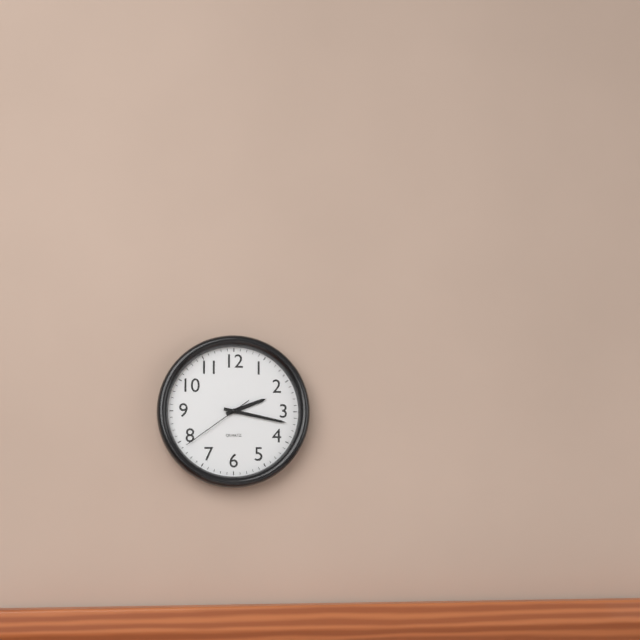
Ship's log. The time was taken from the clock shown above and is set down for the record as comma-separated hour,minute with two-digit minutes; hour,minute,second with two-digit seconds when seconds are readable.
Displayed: 2,17,39
